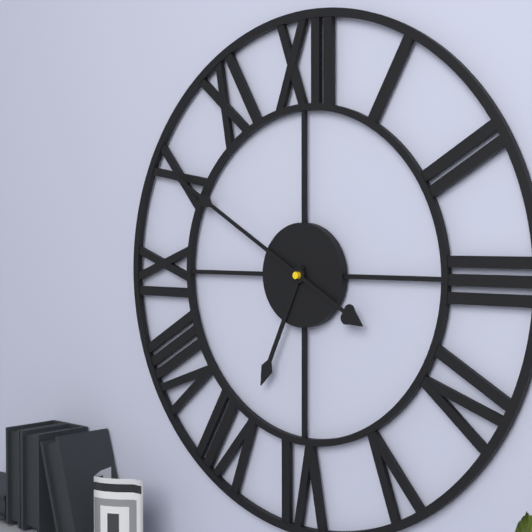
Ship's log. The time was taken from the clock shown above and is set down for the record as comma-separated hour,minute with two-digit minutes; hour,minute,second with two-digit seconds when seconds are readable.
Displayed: 6,50
